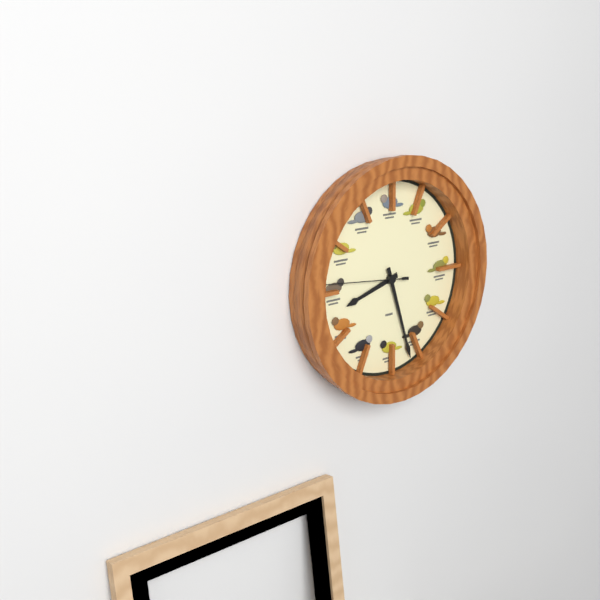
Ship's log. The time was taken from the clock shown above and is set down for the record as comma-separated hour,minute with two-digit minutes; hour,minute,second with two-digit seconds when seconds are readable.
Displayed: 8,27,46
